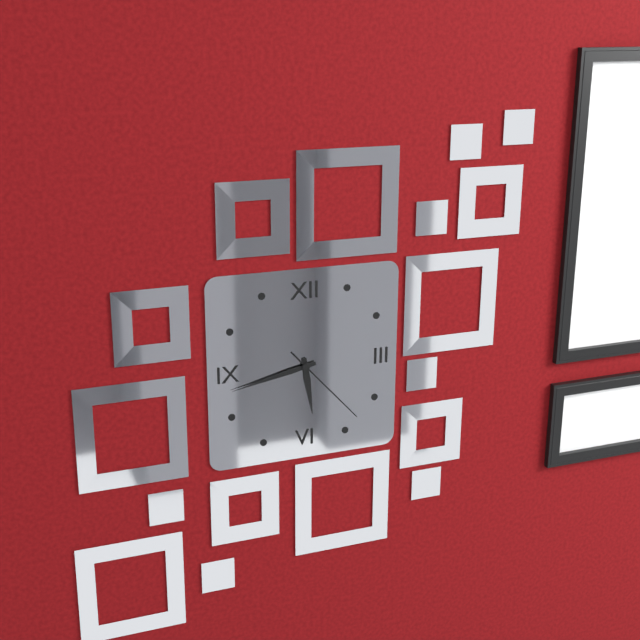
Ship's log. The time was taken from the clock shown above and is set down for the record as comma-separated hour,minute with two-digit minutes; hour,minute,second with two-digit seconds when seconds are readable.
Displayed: 5,43,23
